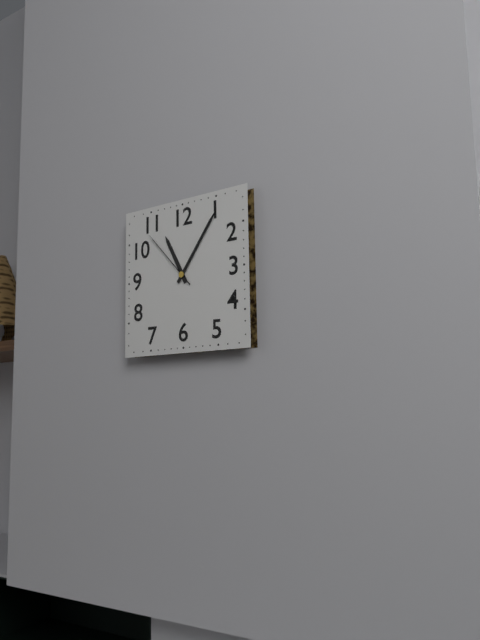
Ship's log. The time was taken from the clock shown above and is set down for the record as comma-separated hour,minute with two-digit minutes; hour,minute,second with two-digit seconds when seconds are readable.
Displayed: 11,06,53
